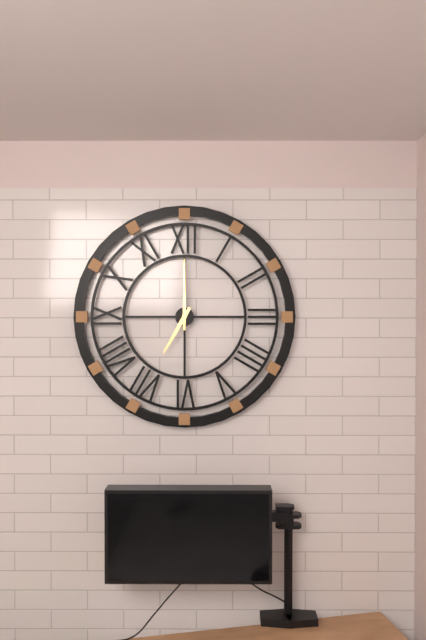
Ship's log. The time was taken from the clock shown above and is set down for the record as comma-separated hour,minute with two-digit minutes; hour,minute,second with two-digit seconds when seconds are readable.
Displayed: 7,00
